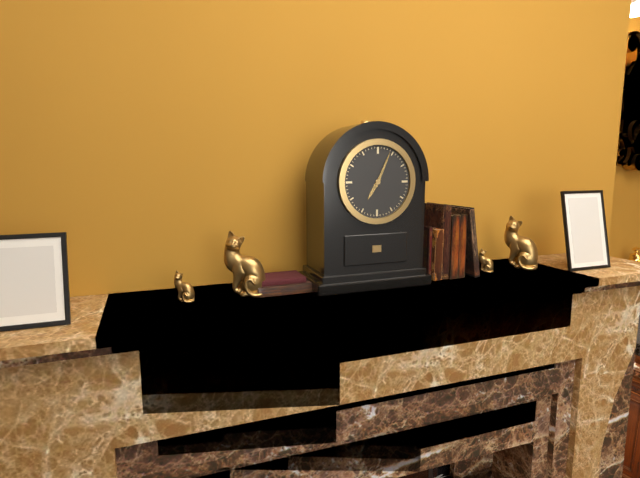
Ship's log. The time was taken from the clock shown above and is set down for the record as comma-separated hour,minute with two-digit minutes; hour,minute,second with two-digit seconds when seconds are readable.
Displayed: 7,04
